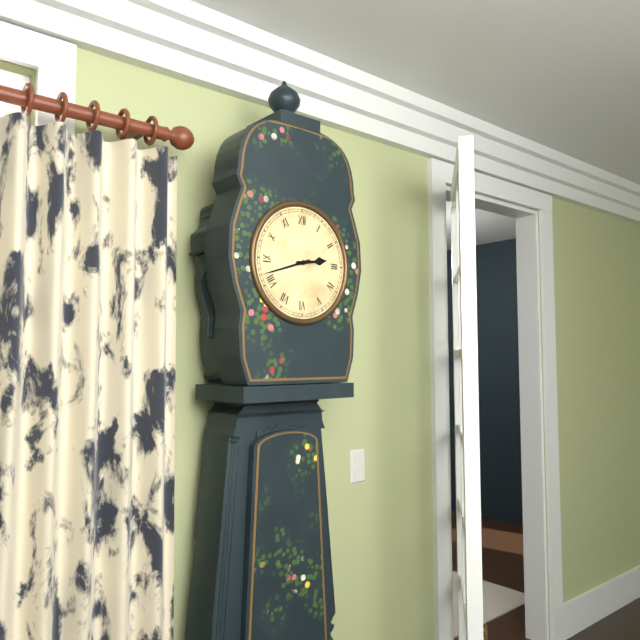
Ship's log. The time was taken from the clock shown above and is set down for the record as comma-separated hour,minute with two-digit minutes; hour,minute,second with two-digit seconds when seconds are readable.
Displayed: 2,42
